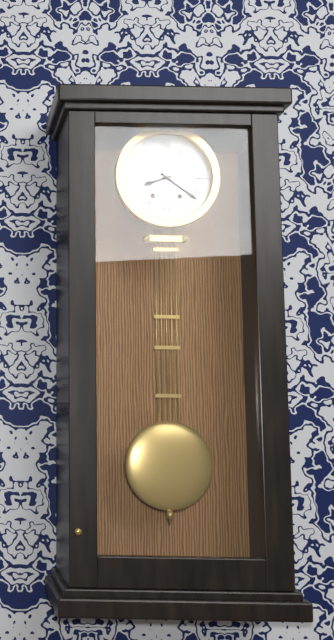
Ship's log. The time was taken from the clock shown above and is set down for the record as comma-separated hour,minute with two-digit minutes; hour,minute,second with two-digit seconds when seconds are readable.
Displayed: 8,21
